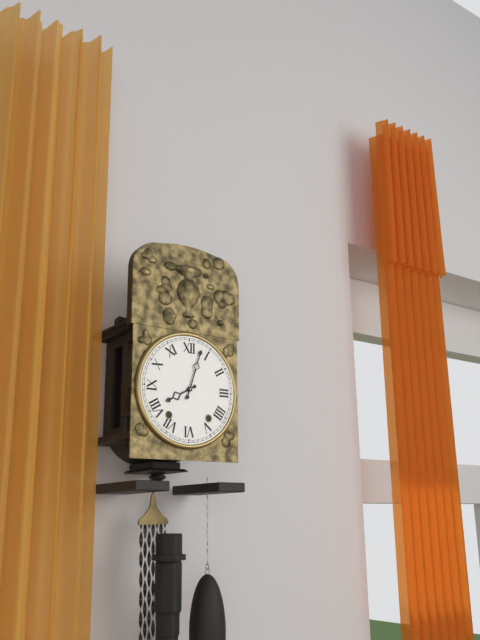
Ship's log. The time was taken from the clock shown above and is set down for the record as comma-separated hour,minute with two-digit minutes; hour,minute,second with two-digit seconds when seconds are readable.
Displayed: 8,03
